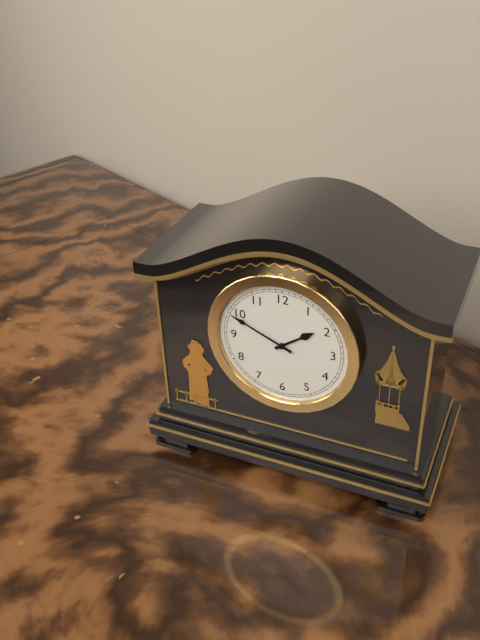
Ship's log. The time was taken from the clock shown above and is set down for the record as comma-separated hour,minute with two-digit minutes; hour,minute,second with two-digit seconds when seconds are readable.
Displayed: 1,49
